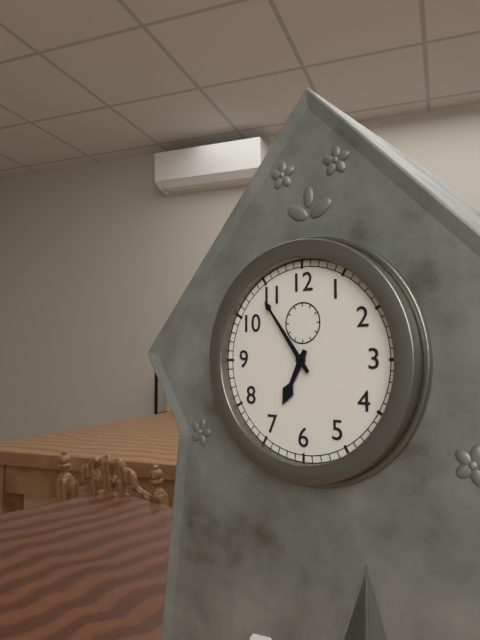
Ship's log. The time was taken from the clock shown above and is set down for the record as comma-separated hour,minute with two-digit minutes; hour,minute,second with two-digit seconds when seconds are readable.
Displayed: 6,54
